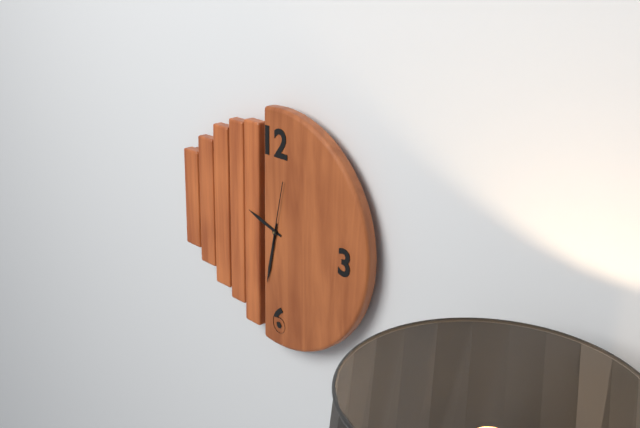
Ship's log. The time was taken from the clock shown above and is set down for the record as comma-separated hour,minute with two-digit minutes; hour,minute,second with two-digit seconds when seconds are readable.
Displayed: 9,32,02
